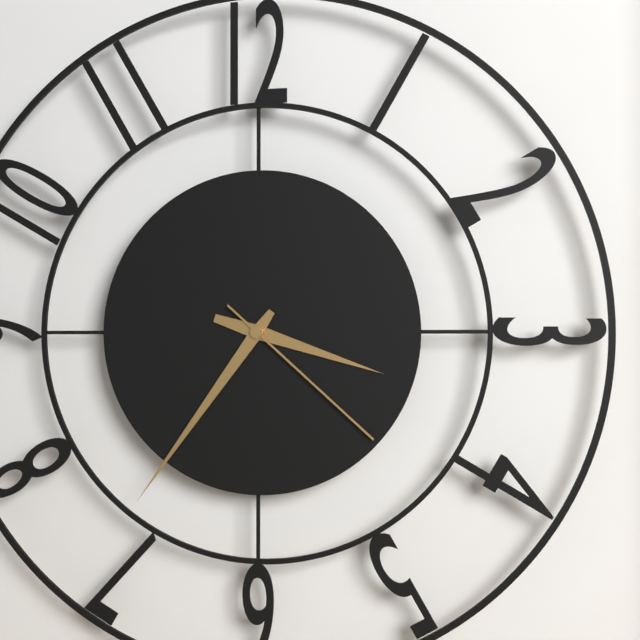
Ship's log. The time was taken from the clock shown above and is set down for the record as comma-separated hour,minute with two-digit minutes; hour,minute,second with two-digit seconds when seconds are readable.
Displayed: 3,36,22
